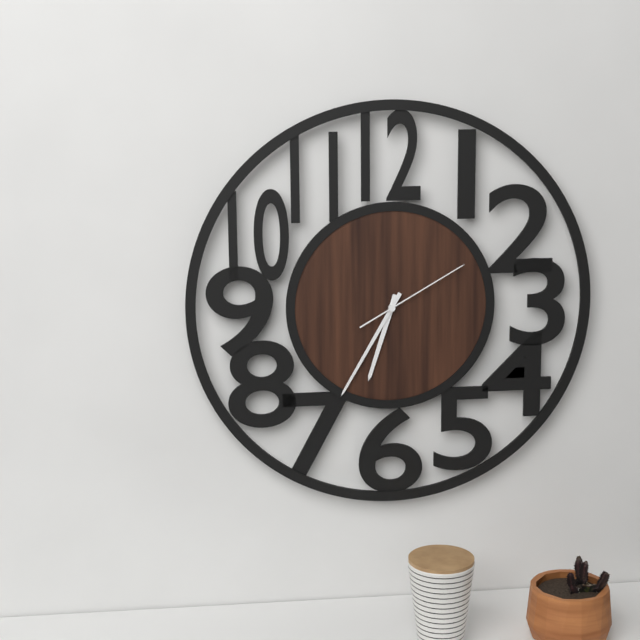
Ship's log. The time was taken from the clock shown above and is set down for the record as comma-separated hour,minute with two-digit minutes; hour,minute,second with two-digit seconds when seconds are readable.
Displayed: 6,35,10
